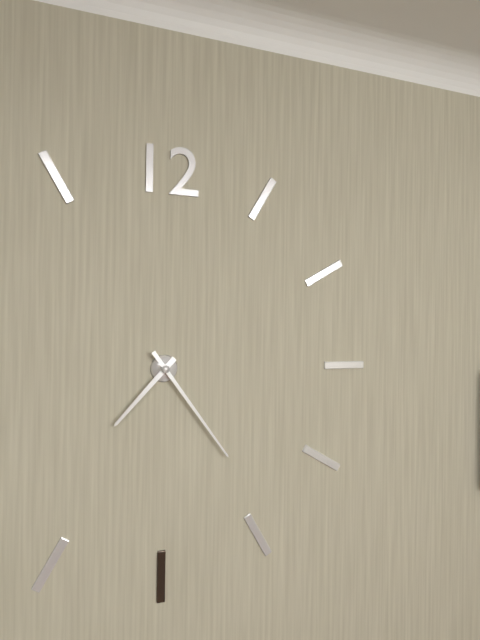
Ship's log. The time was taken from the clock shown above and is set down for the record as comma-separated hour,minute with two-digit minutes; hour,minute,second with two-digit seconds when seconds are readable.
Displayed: 7,24
